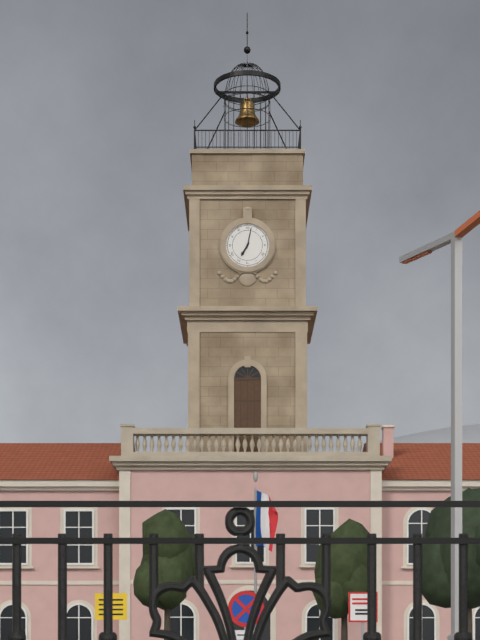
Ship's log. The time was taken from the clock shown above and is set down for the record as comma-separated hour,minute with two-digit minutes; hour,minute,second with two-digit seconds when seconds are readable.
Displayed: 7,02
